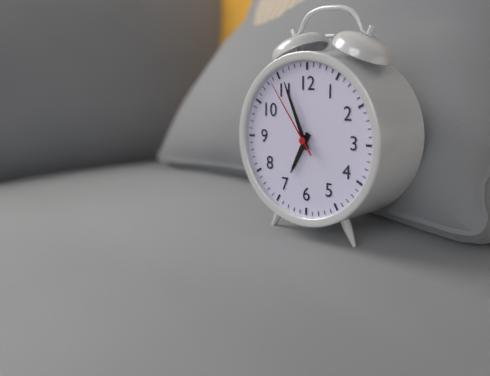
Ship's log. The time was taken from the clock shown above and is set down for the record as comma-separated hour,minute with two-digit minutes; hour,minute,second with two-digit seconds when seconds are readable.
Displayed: 6,56,54
